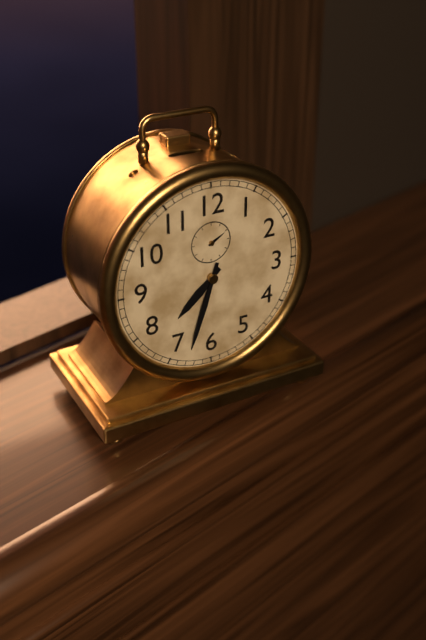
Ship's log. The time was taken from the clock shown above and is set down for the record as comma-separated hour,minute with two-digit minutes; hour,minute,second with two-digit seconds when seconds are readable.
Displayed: 7,33
